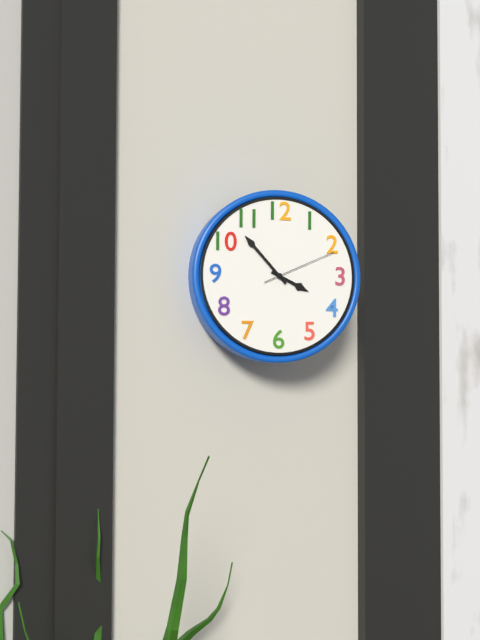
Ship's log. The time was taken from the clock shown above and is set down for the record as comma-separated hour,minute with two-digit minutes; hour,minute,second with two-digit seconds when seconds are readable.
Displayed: 3,53,11
